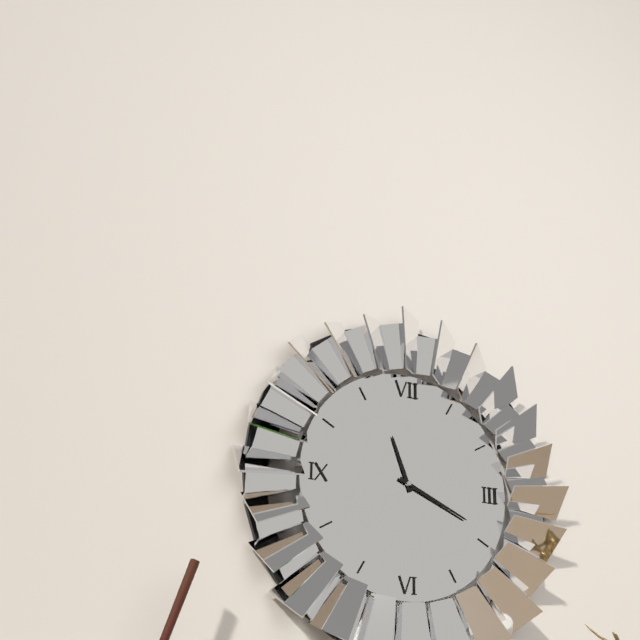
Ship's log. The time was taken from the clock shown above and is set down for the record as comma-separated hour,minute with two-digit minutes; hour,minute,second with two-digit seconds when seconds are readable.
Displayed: 11,19
